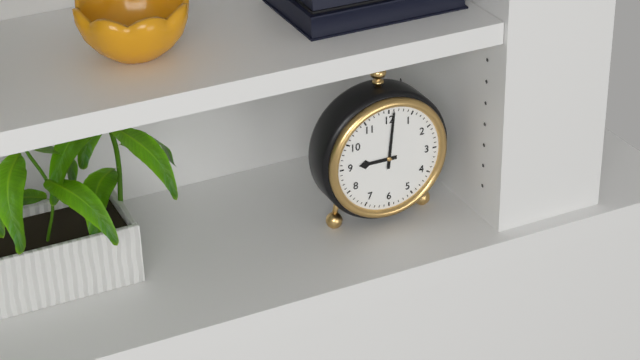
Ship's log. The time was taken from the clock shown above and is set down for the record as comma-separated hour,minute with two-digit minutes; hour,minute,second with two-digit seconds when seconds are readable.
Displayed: 9,01
